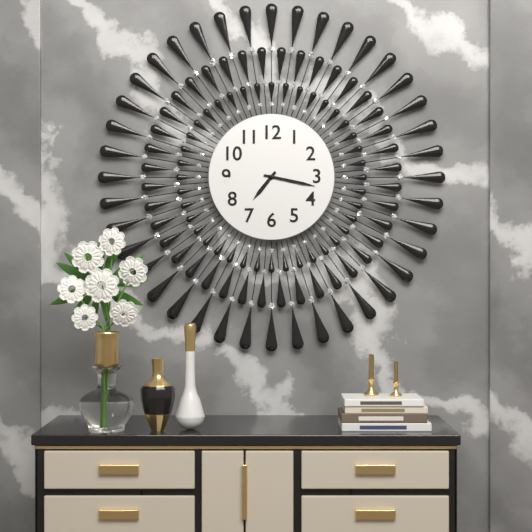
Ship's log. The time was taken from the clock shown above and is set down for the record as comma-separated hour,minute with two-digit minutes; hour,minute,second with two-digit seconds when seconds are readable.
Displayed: 7,17
